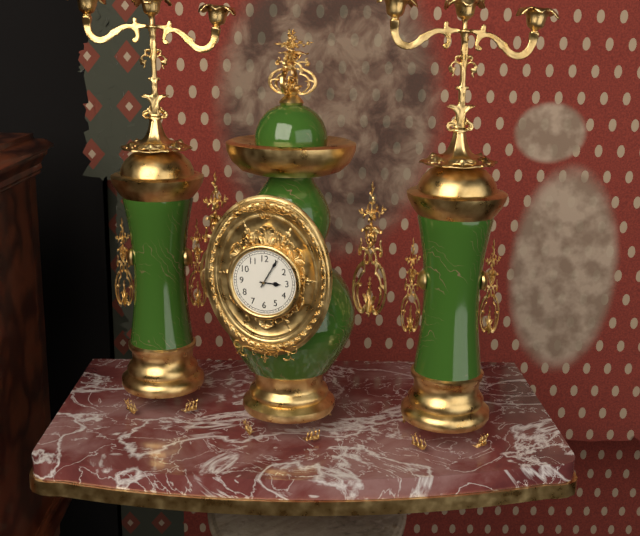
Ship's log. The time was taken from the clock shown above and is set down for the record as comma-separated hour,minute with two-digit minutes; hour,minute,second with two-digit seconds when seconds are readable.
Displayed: 3,05
